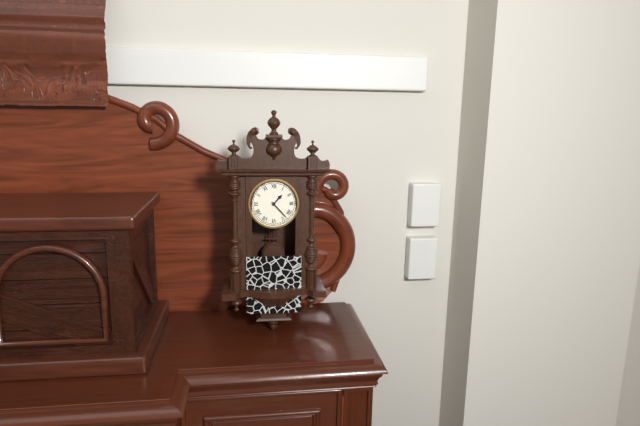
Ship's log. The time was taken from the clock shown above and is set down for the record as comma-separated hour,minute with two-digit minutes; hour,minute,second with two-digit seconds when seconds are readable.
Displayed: 1,23
